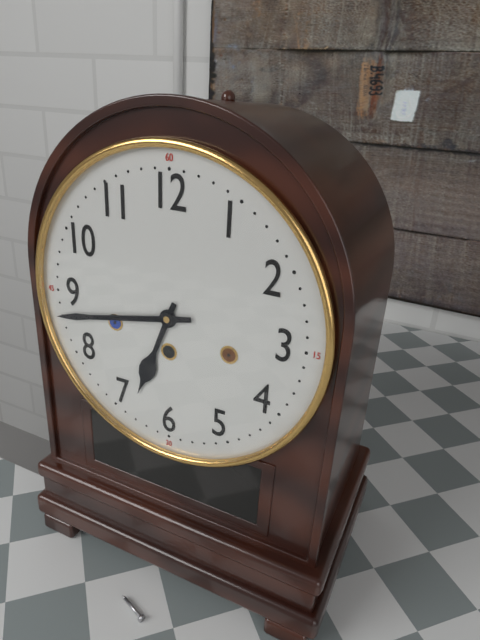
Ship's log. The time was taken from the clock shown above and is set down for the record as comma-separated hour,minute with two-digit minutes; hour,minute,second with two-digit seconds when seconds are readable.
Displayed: 6,43
